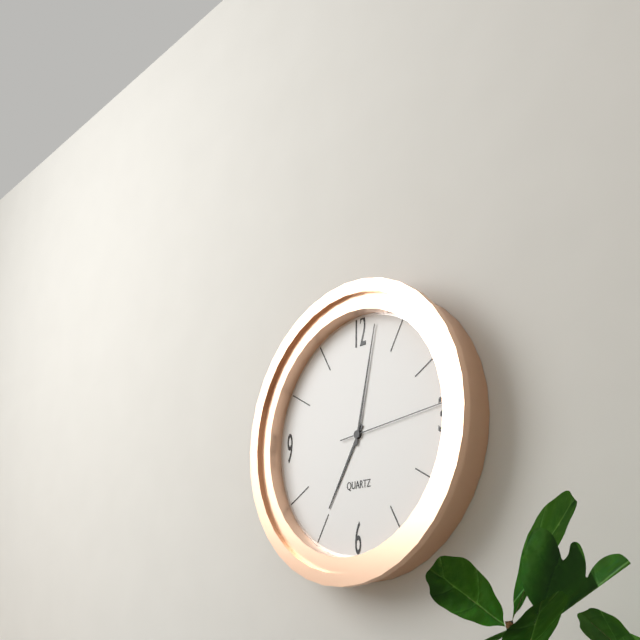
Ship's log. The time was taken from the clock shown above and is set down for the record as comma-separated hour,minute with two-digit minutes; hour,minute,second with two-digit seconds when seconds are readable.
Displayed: 7,02,14
